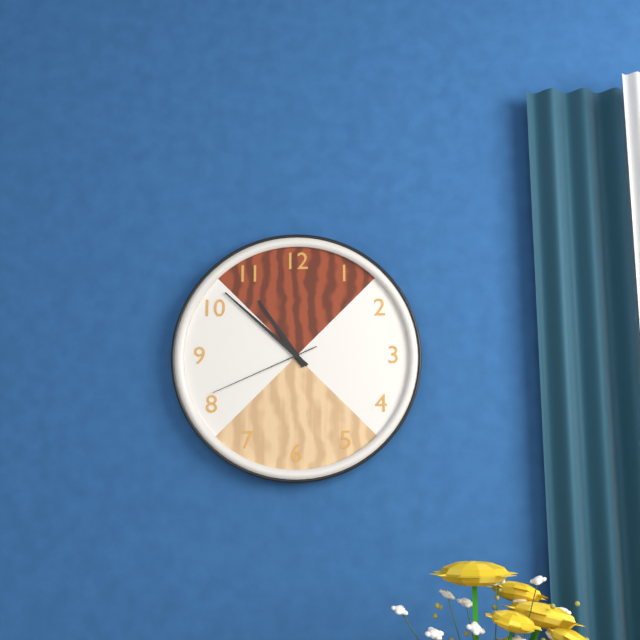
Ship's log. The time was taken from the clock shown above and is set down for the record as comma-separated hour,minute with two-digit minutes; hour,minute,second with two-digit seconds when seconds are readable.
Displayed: 10,52,41
